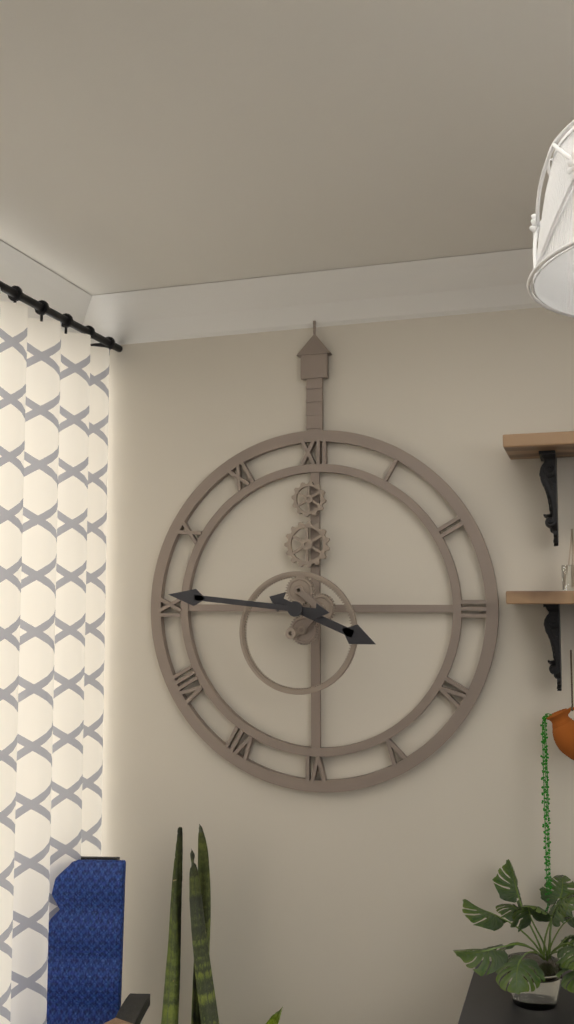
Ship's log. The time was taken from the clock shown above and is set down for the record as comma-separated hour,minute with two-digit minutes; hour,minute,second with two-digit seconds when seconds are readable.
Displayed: 3,46
